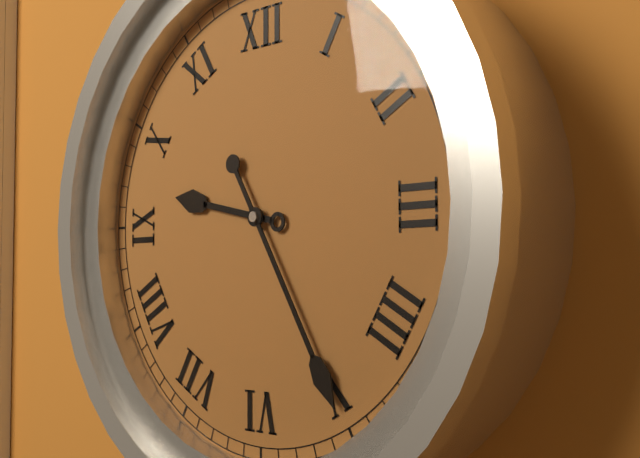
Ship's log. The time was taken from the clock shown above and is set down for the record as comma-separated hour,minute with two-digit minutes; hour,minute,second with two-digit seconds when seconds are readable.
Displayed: 9,25
